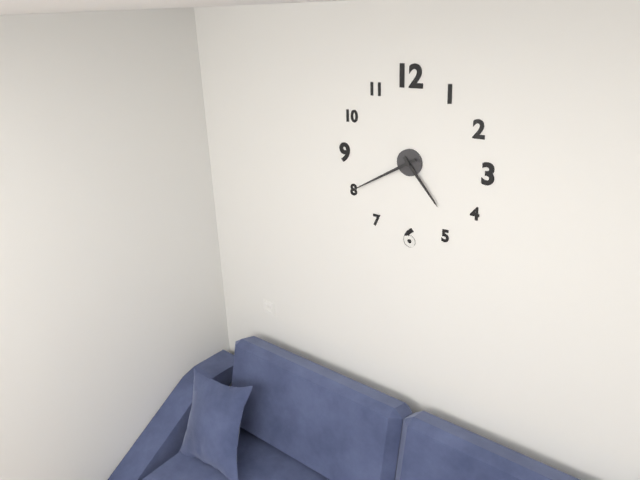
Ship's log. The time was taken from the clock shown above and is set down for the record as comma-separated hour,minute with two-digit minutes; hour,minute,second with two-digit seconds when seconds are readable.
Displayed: 4,40
